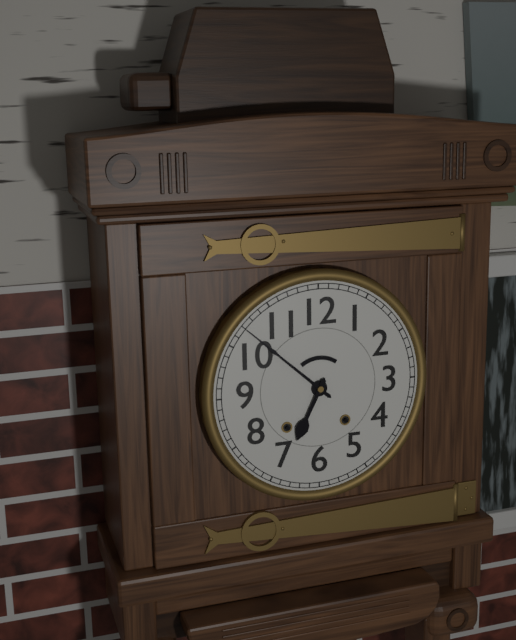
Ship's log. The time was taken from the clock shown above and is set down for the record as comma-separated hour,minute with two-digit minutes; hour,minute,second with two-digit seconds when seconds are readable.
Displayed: 6,52
